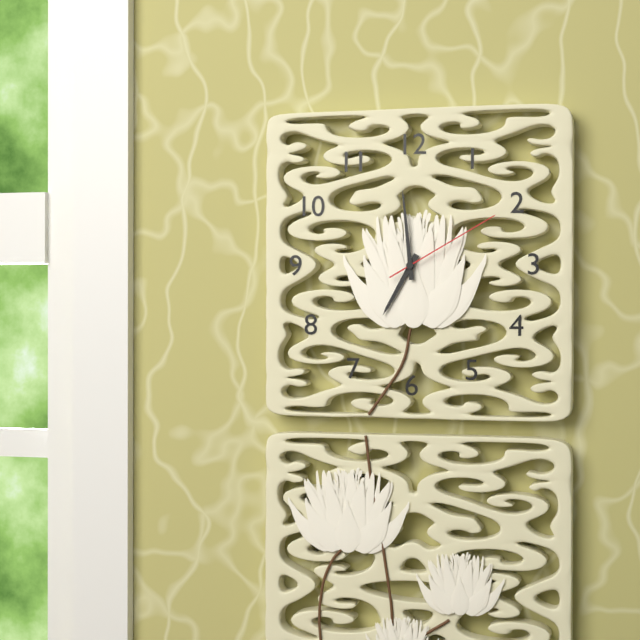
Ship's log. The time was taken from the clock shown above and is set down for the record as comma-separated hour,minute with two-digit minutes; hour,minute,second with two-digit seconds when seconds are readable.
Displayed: 6,59,10
